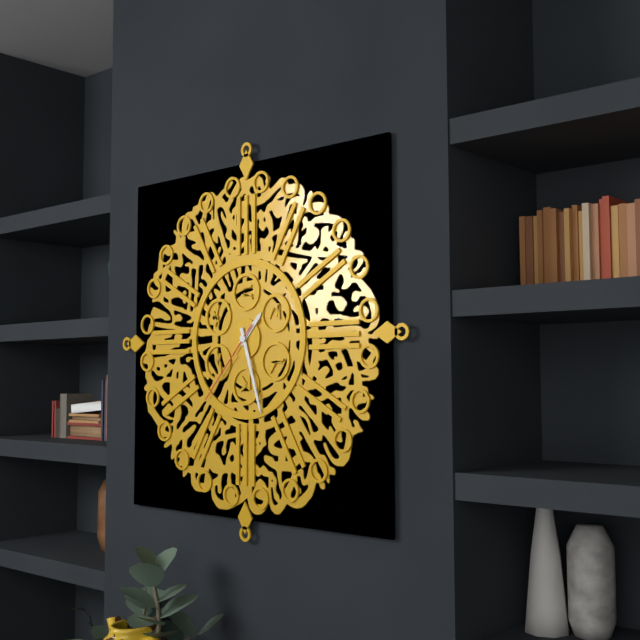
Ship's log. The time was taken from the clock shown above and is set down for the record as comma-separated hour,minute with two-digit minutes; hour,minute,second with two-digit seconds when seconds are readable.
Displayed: 1,27,37
